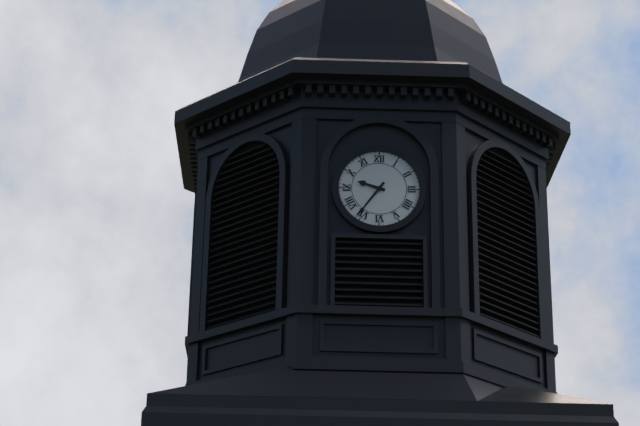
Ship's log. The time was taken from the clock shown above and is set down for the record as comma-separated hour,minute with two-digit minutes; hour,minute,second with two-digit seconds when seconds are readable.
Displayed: 9,36
